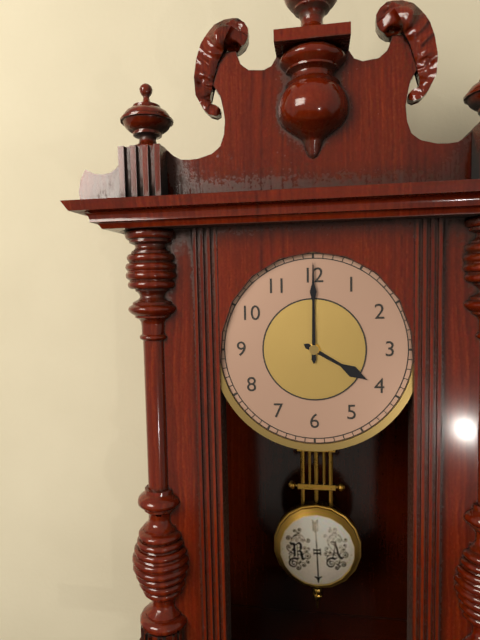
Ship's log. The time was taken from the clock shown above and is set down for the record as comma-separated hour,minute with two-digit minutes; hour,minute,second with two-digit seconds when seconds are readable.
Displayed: 4,00
